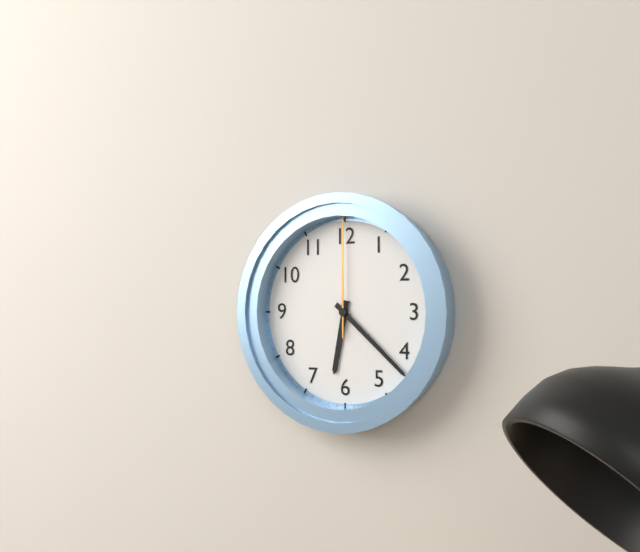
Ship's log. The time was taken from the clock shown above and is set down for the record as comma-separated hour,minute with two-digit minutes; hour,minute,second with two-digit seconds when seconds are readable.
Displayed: 6,22,00
